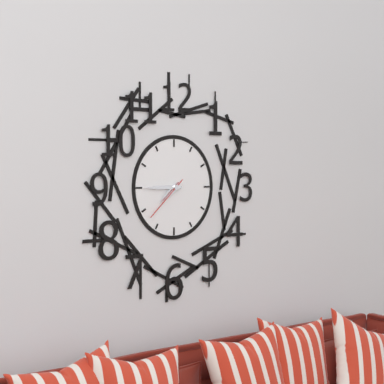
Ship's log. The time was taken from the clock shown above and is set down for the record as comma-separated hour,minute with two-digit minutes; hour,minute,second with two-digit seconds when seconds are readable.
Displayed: 7,45
